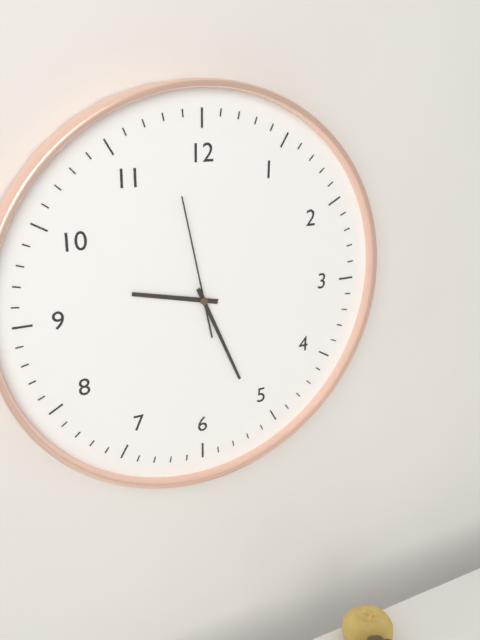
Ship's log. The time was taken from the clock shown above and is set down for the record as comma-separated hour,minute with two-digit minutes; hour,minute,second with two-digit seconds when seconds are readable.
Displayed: 9,26,58
